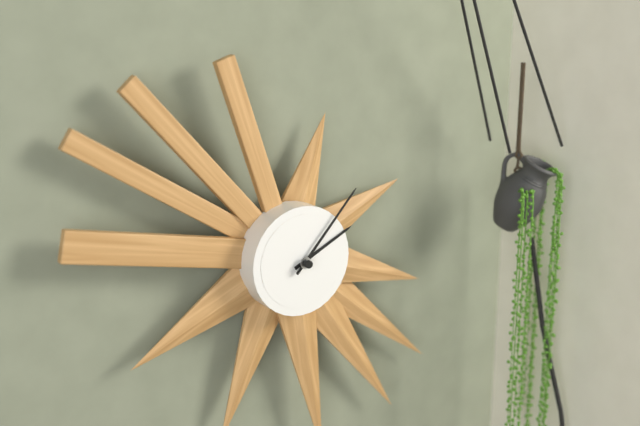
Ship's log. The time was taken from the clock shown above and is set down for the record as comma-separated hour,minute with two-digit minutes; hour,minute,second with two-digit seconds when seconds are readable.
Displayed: 2,07
